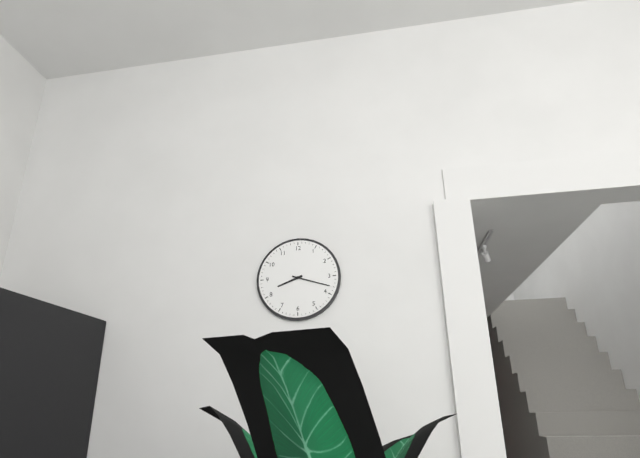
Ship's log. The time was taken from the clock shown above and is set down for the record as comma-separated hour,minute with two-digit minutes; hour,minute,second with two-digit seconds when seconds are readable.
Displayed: 8,18
